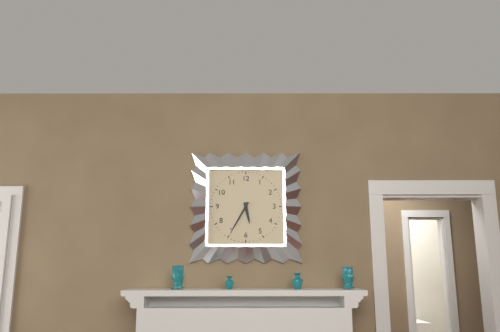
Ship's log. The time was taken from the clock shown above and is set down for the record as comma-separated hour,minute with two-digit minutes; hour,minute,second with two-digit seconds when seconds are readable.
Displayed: 5,35
